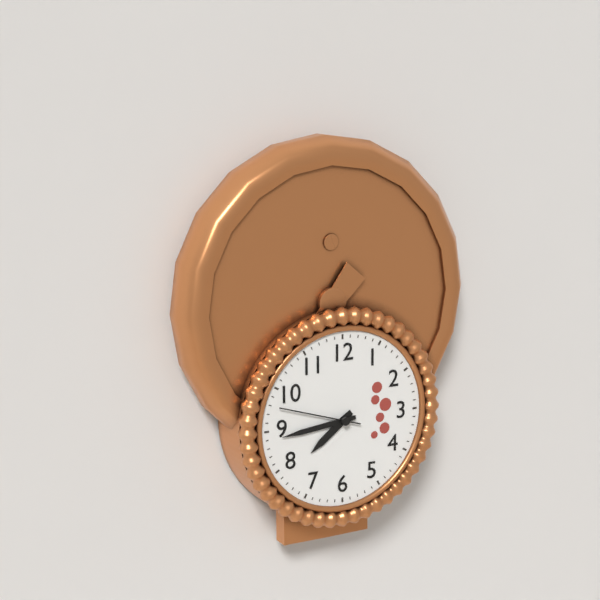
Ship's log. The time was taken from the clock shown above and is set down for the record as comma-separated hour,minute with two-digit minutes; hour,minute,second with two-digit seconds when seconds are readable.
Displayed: 7,44,48
